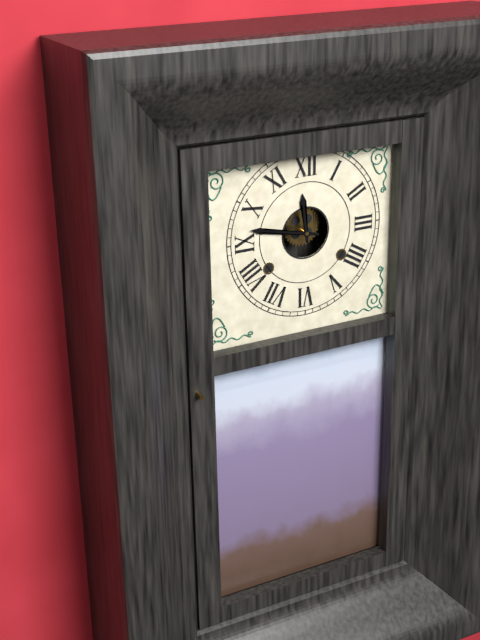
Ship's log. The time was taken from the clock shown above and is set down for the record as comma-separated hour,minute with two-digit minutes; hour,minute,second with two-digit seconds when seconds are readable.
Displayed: 11,47
